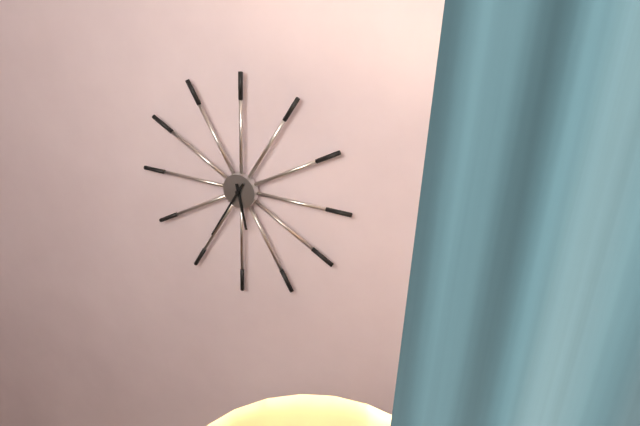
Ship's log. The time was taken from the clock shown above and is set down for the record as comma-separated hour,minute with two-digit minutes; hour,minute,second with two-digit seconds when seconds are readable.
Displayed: 5,35
